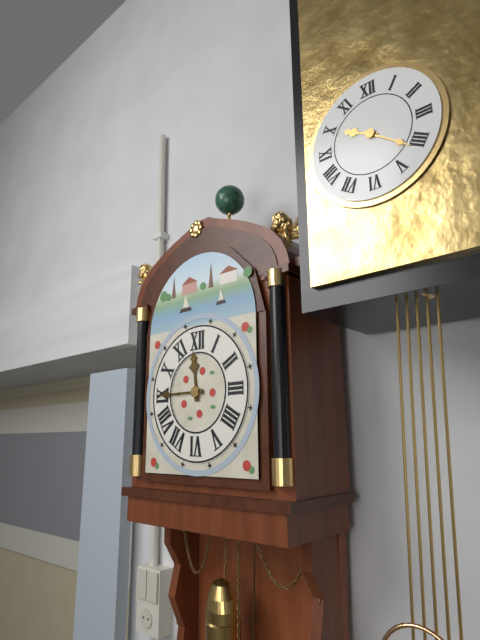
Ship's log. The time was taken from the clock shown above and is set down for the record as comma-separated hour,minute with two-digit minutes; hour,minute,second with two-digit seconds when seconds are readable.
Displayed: 11,45
